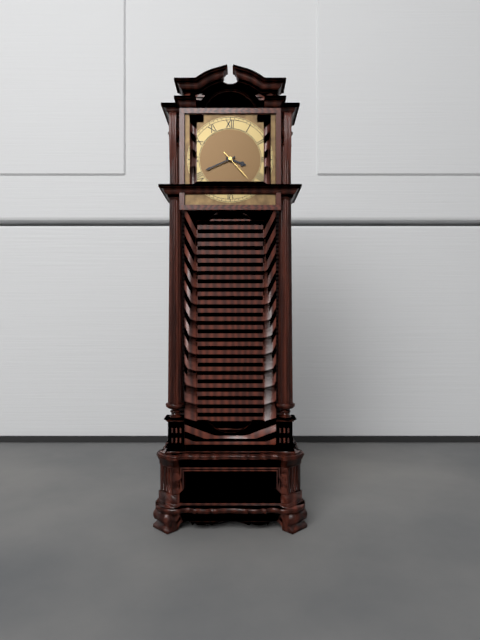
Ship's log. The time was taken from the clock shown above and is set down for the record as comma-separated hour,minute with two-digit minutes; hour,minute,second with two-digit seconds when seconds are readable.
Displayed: 3,41
